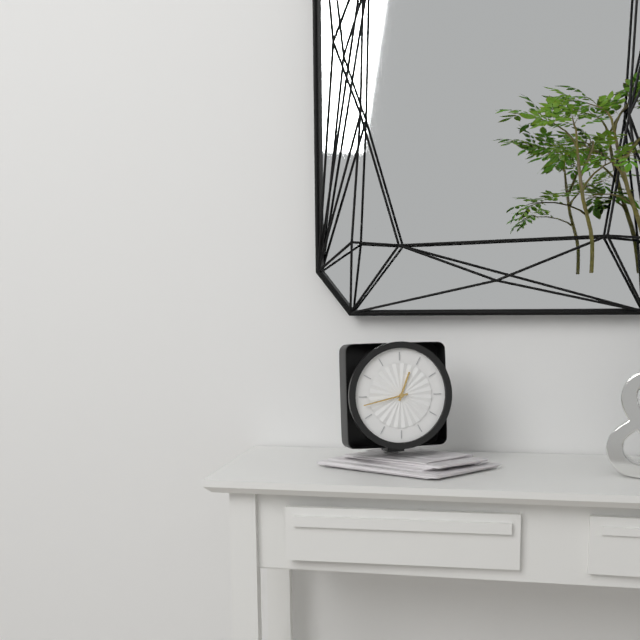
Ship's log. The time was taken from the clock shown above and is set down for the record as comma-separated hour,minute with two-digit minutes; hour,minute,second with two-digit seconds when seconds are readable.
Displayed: 12,43
